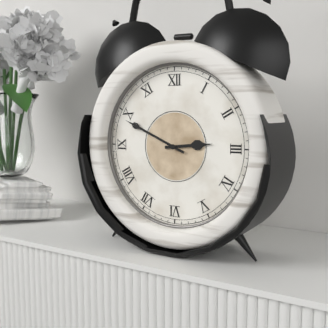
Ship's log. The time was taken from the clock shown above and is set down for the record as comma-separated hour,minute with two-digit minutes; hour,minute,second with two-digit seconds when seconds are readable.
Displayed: 2,49
